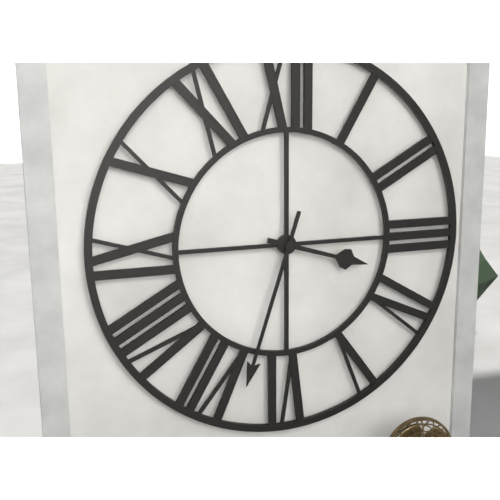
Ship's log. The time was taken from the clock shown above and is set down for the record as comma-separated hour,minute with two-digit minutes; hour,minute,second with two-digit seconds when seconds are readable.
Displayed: 3,33
